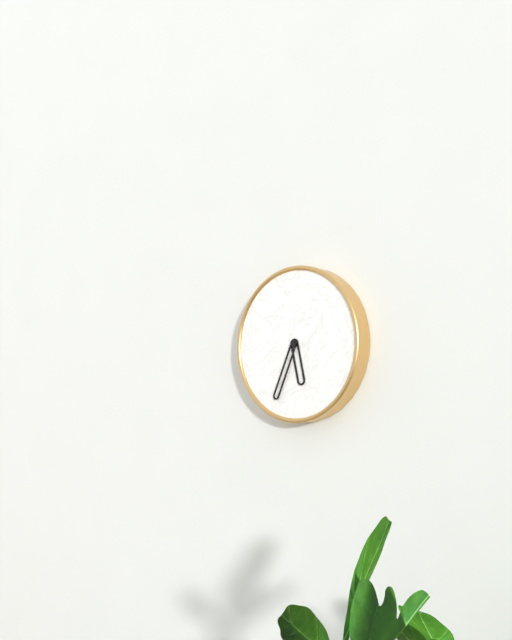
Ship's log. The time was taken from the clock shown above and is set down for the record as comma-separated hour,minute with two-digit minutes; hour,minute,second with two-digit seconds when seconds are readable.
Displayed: 5,34
